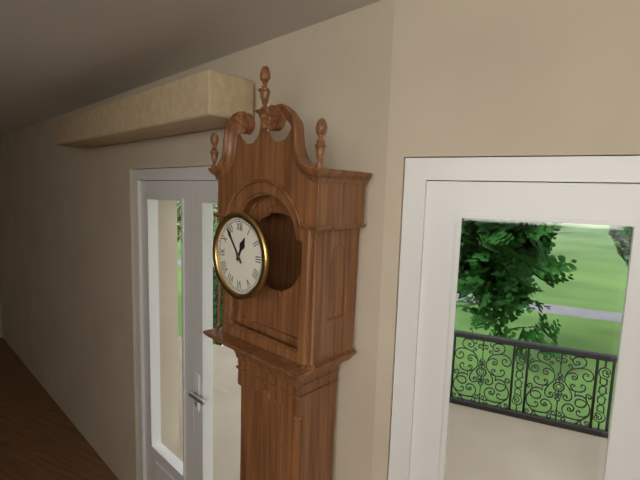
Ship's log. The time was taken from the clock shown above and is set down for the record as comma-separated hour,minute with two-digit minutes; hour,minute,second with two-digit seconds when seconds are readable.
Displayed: 12,54
